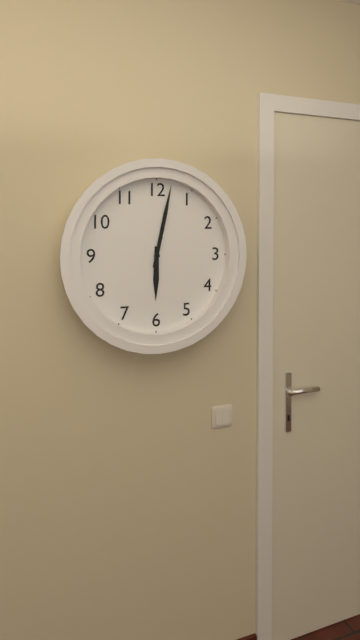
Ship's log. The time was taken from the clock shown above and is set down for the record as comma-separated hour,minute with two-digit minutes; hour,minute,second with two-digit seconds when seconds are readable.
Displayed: 6,02
